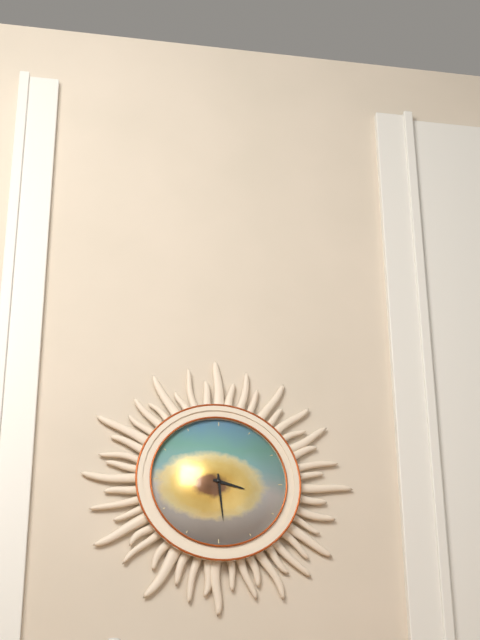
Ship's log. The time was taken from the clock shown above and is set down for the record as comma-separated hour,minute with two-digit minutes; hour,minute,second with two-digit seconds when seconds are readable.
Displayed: 3,29
